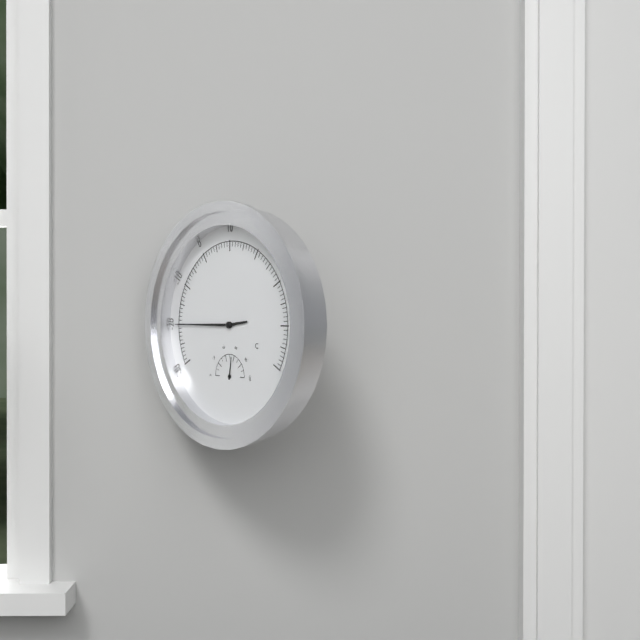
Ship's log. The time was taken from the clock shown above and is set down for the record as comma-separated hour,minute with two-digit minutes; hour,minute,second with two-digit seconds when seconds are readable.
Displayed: 2,45
